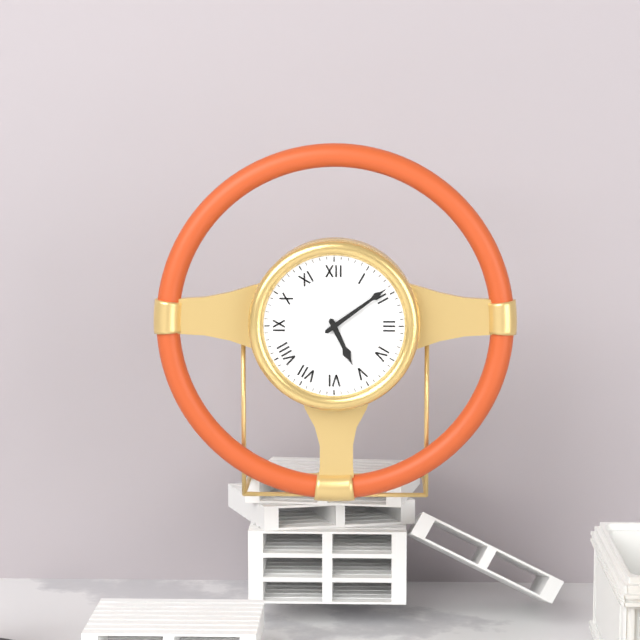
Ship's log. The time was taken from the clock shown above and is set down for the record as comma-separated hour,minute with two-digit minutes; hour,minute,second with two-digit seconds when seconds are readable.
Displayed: 5,09
